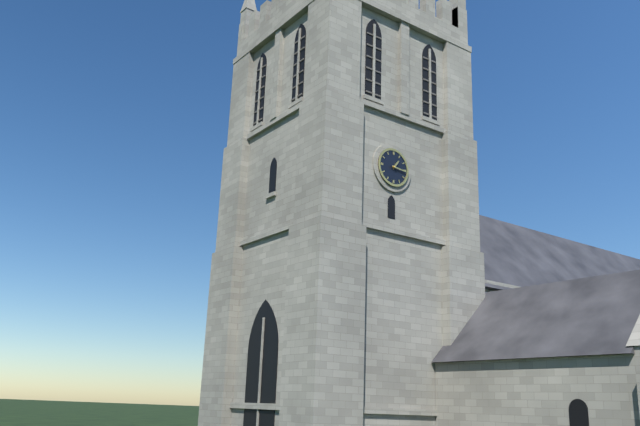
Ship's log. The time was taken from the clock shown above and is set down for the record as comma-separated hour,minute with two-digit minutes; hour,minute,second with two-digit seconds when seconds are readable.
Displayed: 1,16
